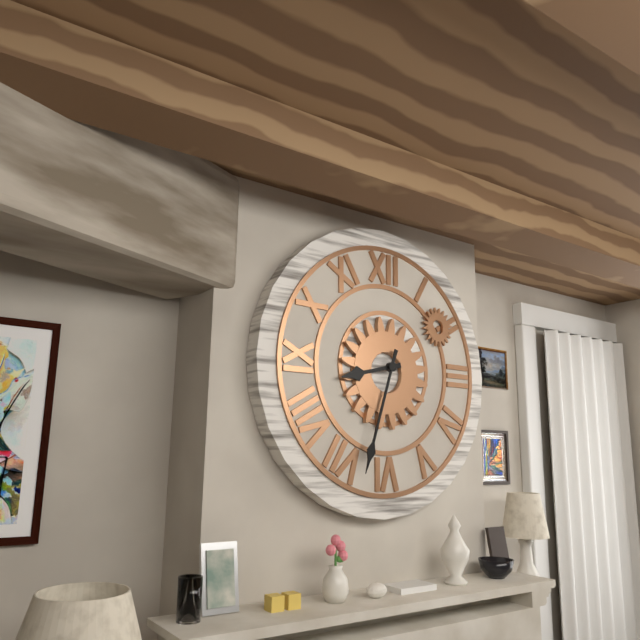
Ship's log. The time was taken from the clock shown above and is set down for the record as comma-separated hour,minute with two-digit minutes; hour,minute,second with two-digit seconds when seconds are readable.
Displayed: 8,33
